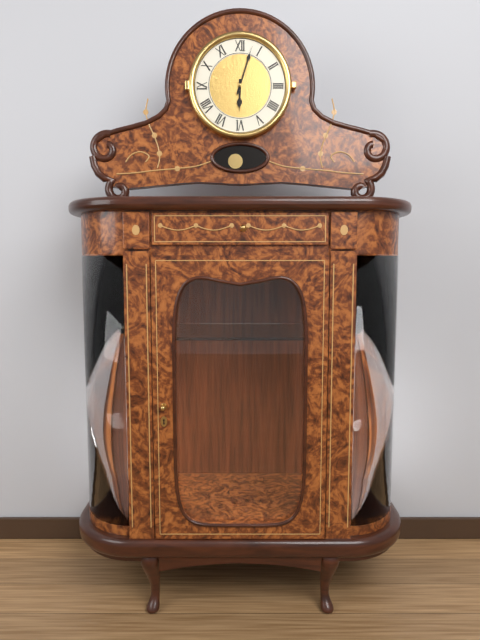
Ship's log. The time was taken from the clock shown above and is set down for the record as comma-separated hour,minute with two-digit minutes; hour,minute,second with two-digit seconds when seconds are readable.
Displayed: 6,03
